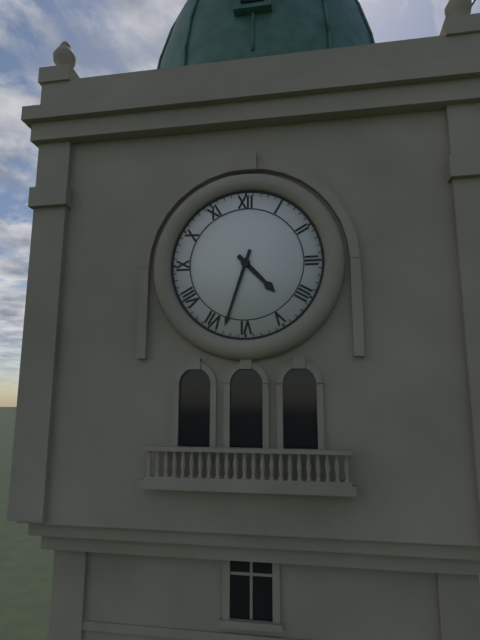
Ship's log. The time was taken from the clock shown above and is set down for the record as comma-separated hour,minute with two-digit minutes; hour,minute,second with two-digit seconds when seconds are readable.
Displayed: 4,33
